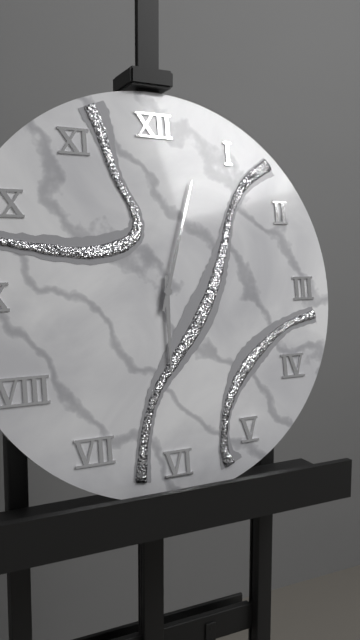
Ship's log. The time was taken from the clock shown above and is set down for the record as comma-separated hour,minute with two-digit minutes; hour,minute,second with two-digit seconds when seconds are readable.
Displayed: 6,03
